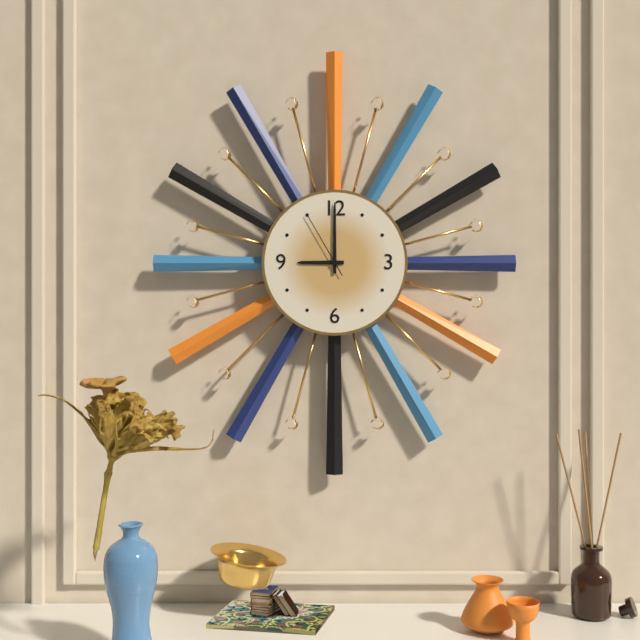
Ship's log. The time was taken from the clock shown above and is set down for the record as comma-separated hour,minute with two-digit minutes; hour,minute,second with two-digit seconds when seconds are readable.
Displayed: 9,00,55
